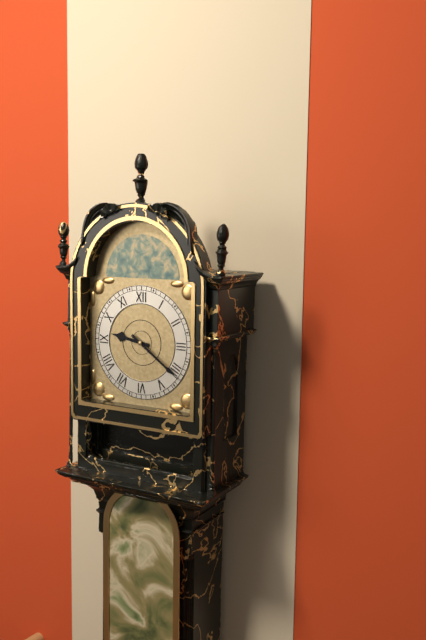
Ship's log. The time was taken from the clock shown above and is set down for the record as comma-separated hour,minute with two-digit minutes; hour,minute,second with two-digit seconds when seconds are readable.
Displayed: 9,21
